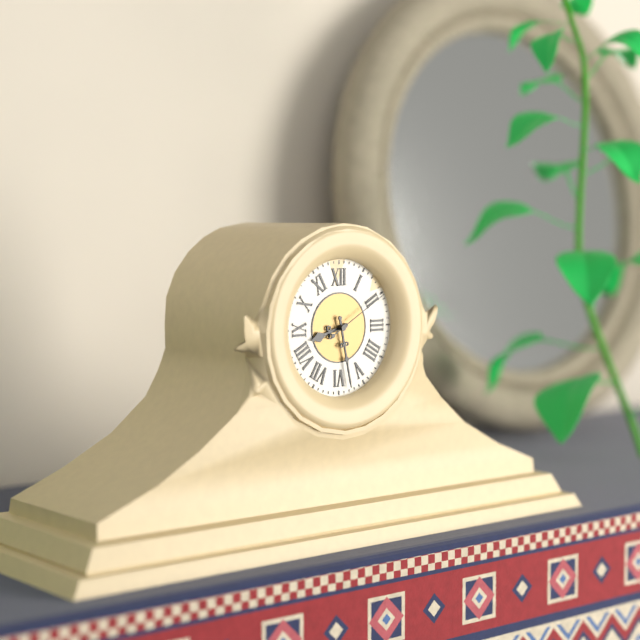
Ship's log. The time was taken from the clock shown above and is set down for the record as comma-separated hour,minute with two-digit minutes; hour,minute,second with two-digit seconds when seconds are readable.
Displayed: 8,28,10
